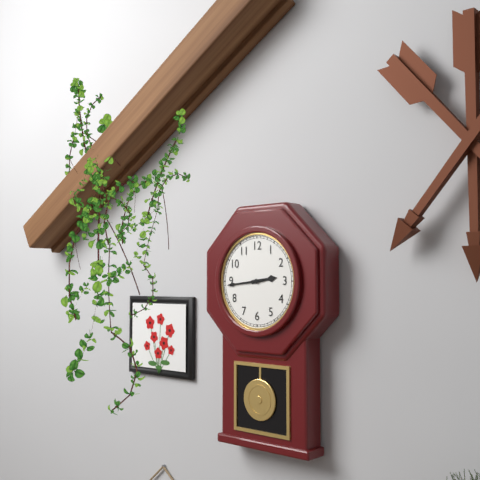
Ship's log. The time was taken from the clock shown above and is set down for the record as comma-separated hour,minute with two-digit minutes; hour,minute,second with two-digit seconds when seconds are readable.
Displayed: 2,44
